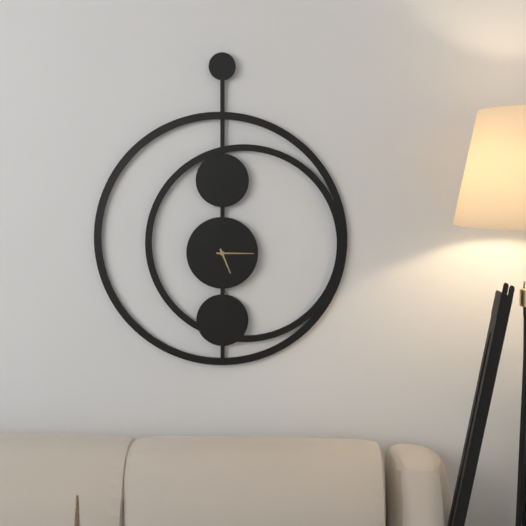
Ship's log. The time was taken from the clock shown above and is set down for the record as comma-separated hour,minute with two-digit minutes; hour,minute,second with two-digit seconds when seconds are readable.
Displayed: 5,15
